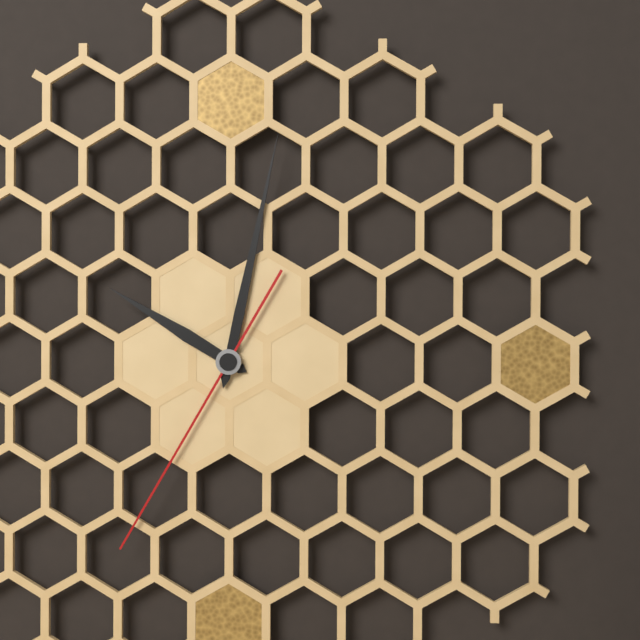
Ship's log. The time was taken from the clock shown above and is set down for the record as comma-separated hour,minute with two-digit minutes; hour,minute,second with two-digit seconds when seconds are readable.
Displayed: 10,02,35
